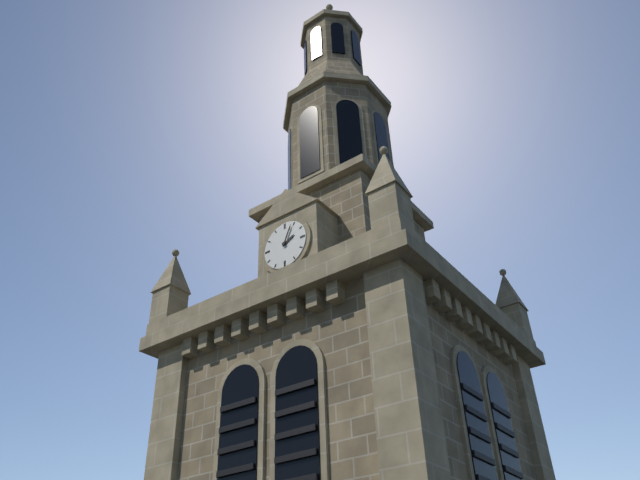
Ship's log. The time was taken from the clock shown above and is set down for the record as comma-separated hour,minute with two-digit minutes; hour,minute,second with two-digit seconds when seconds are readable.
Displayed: 2,04
